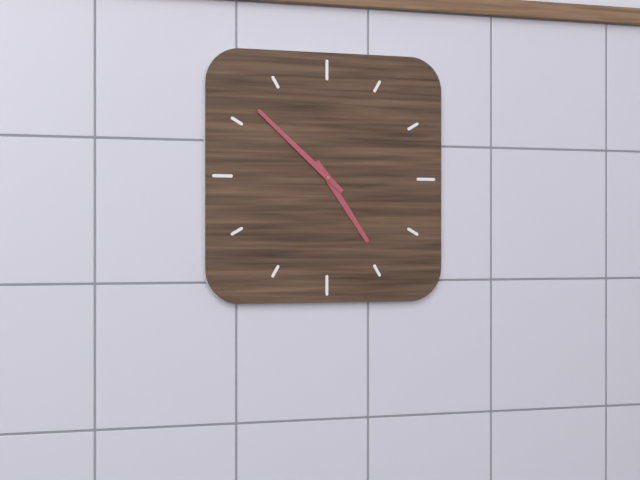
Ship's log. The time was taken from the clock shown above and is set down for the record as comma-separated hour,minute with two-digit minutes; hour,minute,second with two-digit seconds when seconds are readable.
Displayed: 4,52
